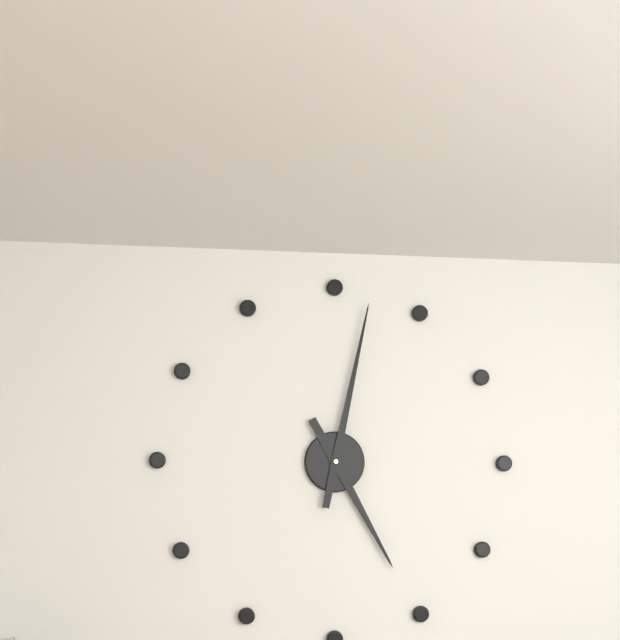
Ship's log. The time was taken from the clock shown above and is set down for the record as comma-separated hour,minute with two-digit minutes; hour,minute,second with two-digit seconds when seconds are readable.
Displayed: 5,02
